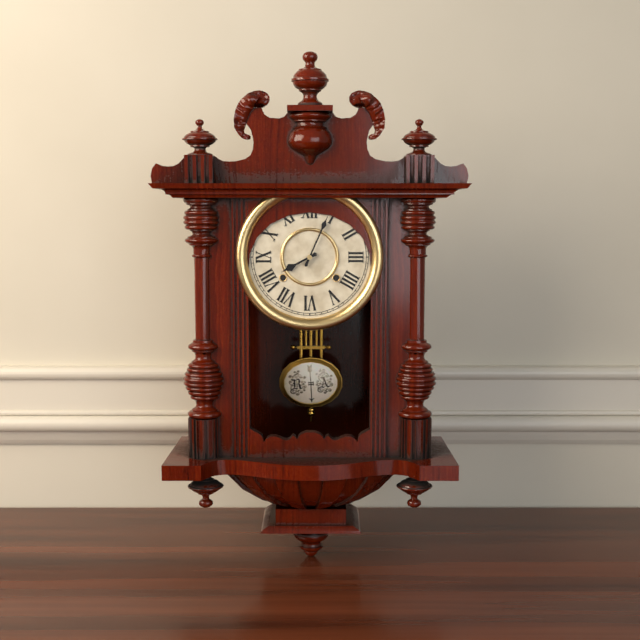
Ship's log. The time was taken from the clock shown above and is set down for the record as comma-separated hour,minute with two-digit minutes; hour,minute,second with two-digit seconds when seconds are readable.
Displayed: 8,04
